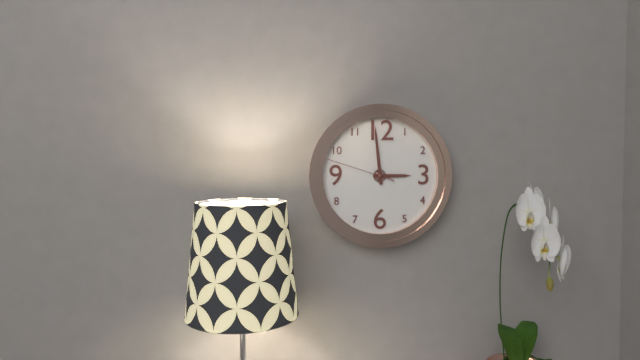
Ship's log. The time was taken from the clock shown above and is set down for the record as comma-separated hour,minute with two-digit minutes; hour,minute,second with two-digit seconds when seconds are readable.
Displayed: 2,59,48
